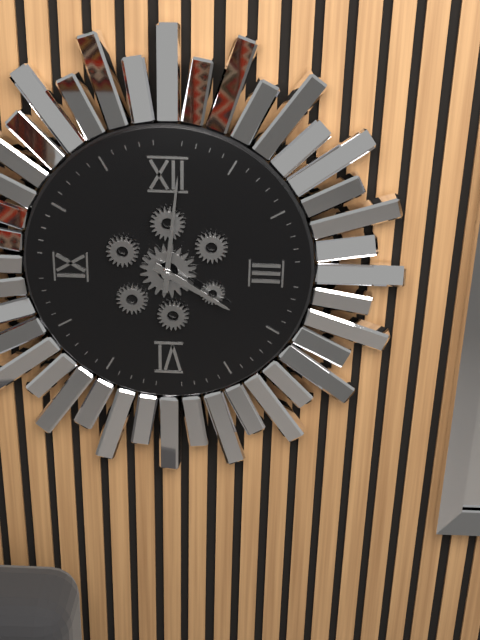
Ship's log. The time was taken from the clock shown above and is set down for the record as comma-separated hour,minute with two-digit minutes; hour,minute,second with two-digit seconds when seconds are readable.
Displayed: 4,01
